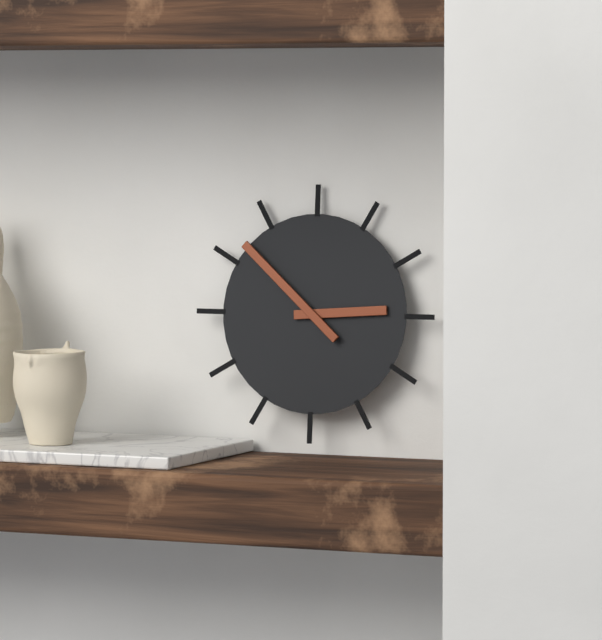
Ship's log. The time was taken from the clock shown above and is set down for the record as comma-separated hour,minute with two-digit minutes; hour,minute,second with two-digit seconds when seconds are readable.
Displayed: 2,52
